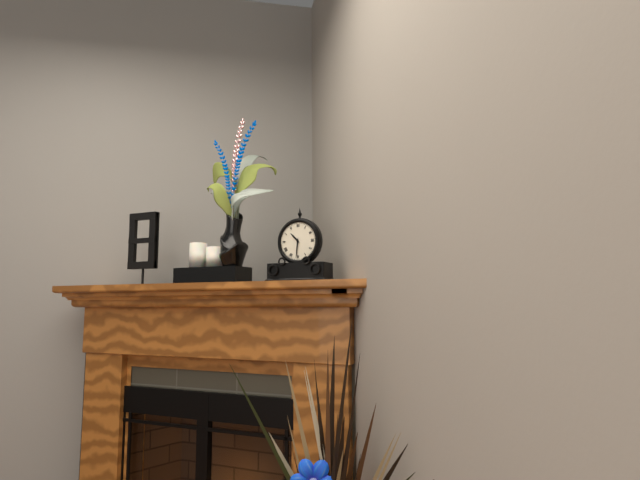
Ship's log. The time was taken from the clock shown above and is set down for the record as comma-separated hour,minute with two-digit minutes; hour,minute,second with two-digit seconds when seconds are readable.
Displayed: 10,31
